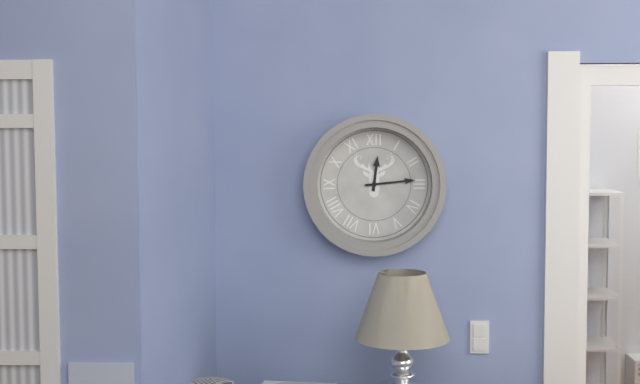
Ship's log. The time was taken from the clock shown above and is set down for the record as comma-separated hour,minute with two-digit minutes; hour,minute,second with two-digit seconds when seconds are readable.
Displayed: 12,14
